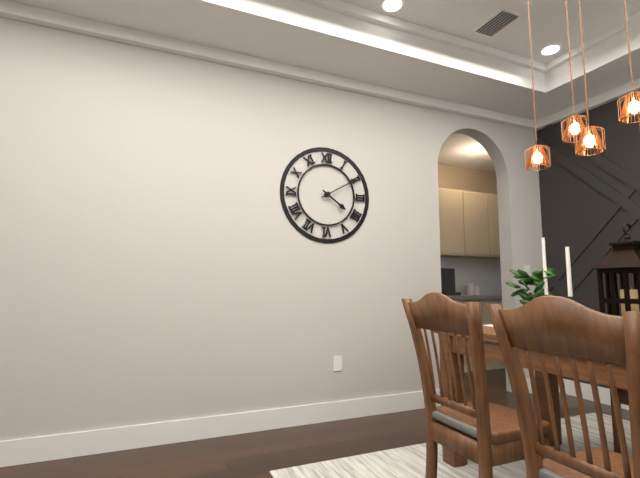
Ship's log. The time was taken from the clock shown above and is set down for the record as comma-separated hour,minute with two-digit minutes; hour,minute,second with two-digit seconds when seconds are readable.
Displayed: 4,10
